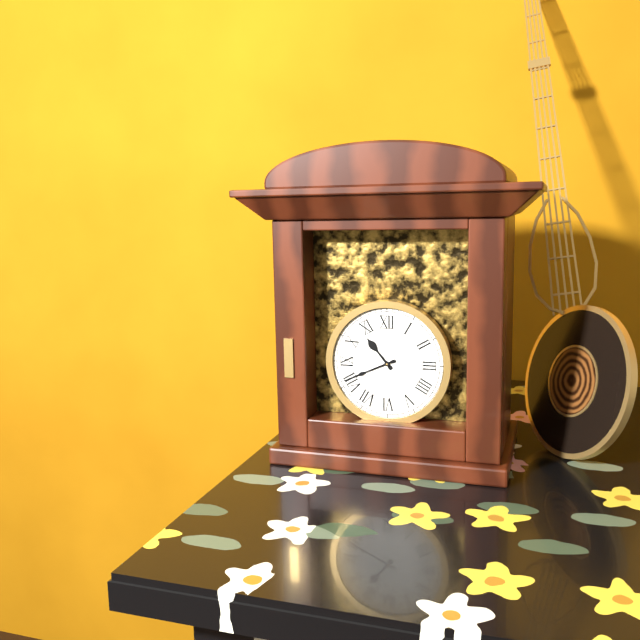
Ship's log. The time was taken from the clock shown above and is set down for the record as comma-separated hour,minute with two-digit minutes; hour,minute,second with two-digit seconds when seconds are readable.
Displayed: 10,41
